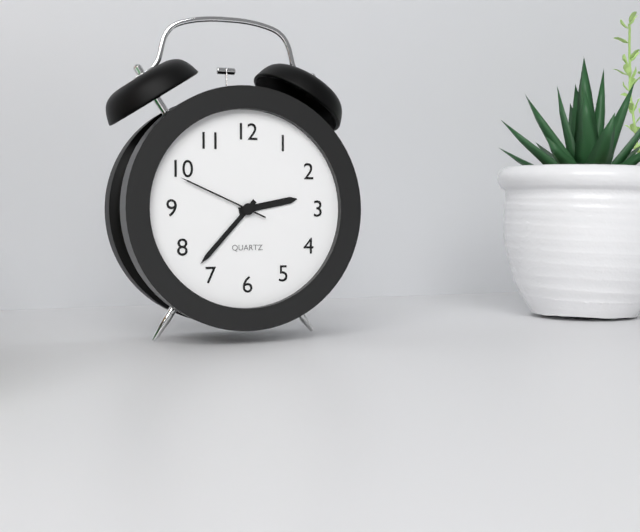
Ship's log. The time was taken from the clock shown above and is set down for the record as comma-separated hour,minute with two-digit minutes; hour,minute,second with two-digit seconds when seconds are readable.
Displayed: 2,37,49
